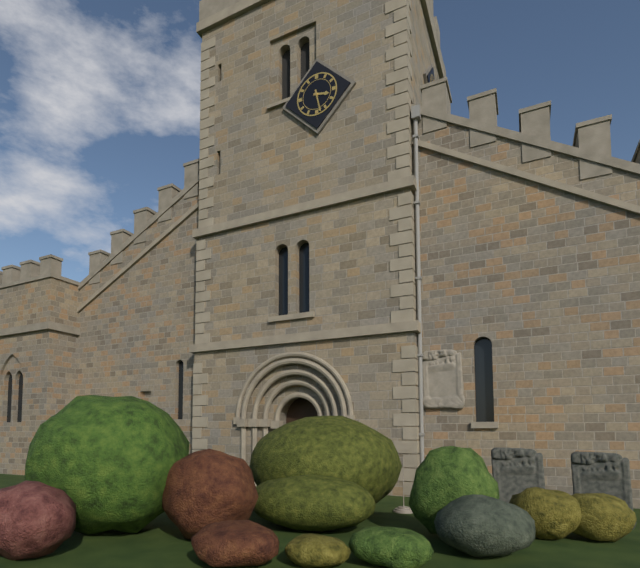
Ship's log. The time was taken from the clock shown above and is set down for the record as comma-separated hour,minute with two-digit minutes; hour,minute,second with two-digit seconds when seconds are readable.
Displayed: 3,28
